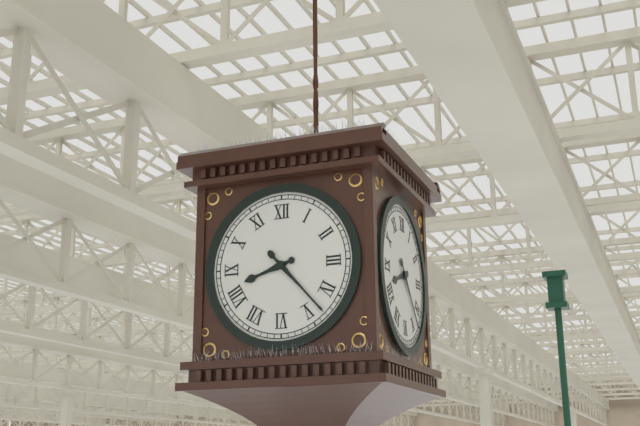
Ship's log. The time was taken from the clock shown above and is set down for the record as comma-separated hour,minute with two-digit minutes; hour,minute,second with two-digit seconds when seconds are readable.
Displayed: 8,23
